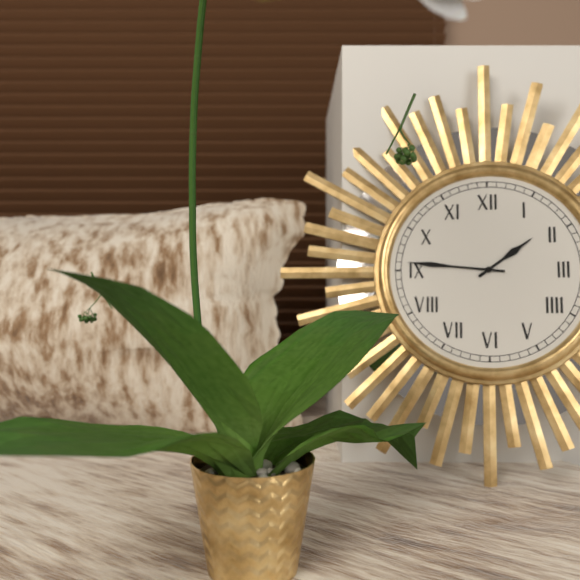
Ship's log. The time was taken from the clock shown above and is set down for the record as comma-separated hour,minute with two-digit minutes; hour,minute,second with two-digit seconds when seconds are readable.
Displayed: 1,46
